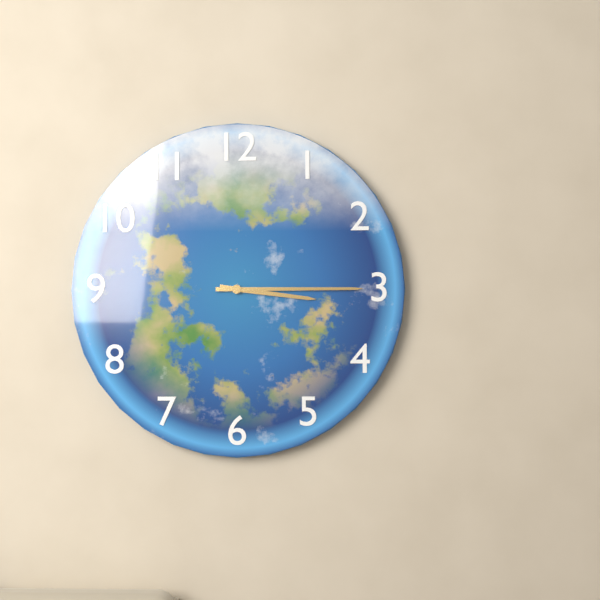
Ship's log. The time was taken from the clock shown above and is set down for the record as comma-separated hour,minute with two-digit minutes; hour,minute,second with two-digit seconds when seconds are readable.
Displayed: 3,15
